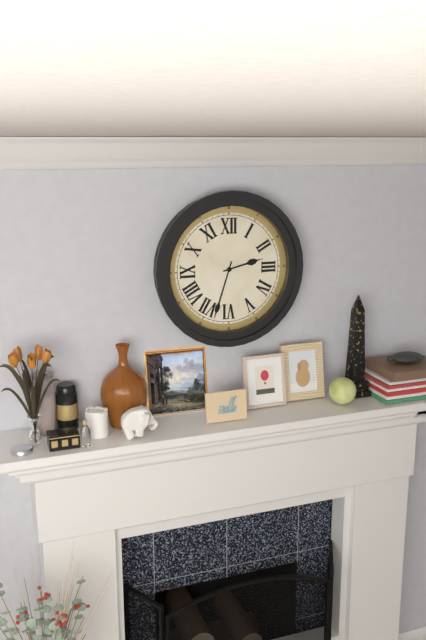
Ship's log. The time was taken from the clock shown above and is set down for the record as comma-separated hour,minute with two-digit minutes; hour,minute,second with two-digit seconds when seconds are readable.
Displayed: 2,33
